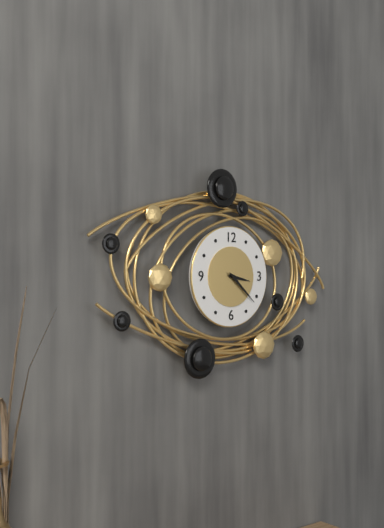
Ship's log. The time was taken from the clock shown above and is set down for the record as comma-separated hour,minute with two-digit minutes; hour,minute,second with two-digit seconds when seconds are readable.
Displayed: 3,22
